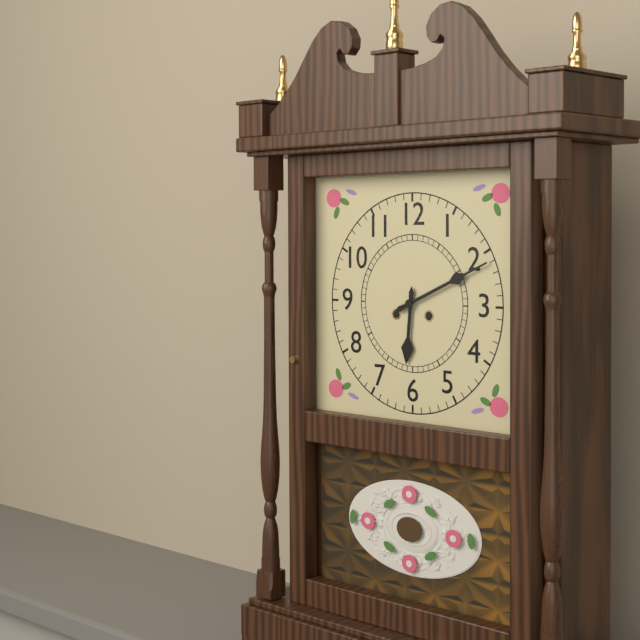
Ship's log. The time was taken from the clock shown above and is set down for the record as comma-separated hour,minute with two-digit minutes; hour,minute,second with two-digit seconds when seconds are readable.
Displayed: 6,11
